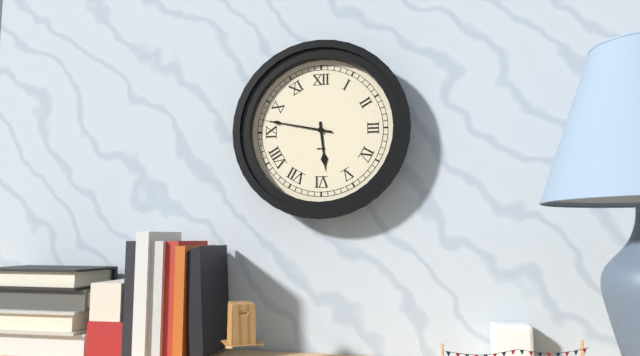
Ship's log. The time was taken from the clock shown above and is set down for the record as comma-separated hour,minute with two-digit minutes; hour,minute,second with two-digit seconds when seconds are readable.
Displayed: 5,47
